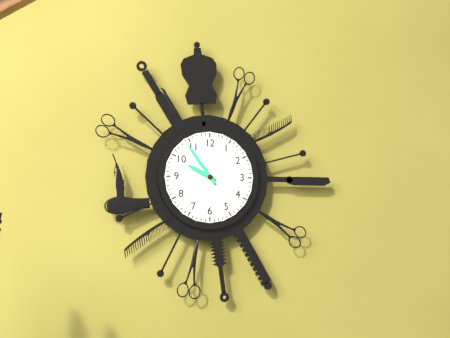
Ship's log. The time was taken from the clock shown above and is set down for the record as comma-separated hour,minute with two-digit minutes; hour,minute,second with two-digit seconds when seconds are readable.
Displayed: 9,54
